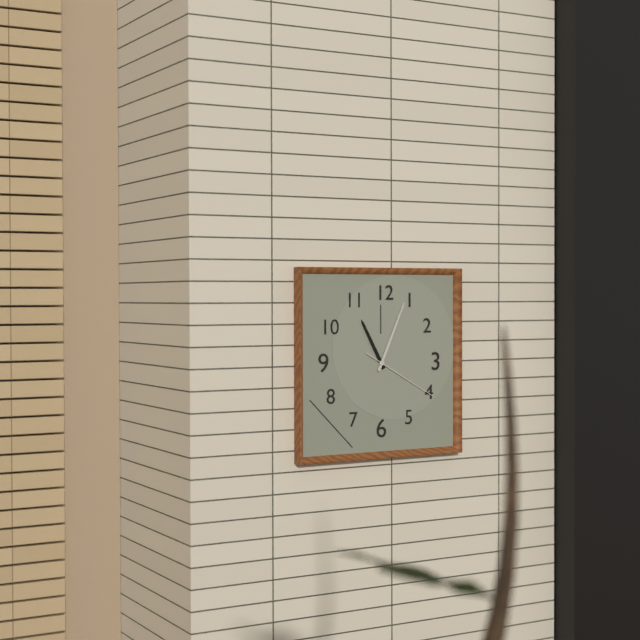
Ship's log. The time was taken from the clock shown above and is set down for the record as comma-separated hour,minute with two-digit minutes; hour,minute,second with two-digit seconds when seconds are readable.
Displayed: 11,04,20
